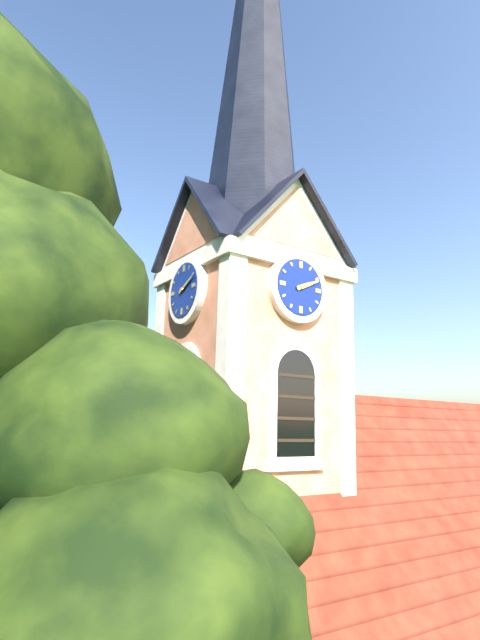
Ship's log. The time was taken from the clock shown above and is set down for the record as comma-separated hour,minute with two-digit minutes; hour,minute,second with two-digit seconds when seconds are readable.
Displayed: 2,11
